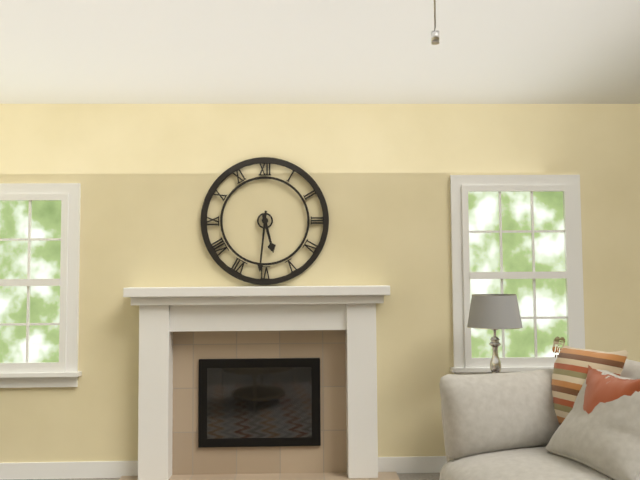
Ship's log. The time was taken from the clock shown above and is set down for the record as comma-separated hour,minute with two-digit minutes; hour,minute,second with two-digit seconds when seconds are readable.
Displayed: 5,31
